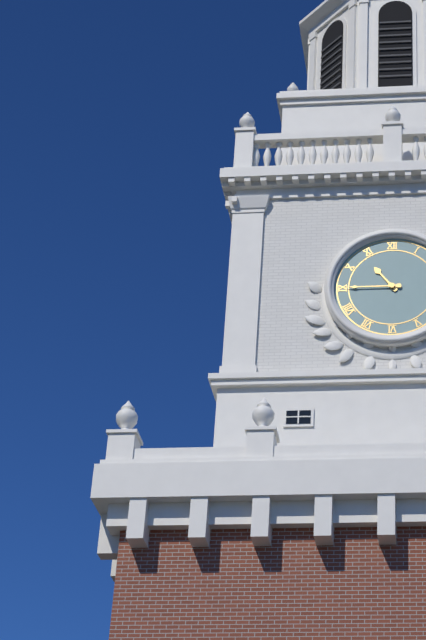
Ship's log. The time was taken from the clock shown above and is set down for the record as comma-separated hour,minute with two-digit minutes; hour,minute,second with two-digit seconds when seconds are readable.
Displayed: 10,45
